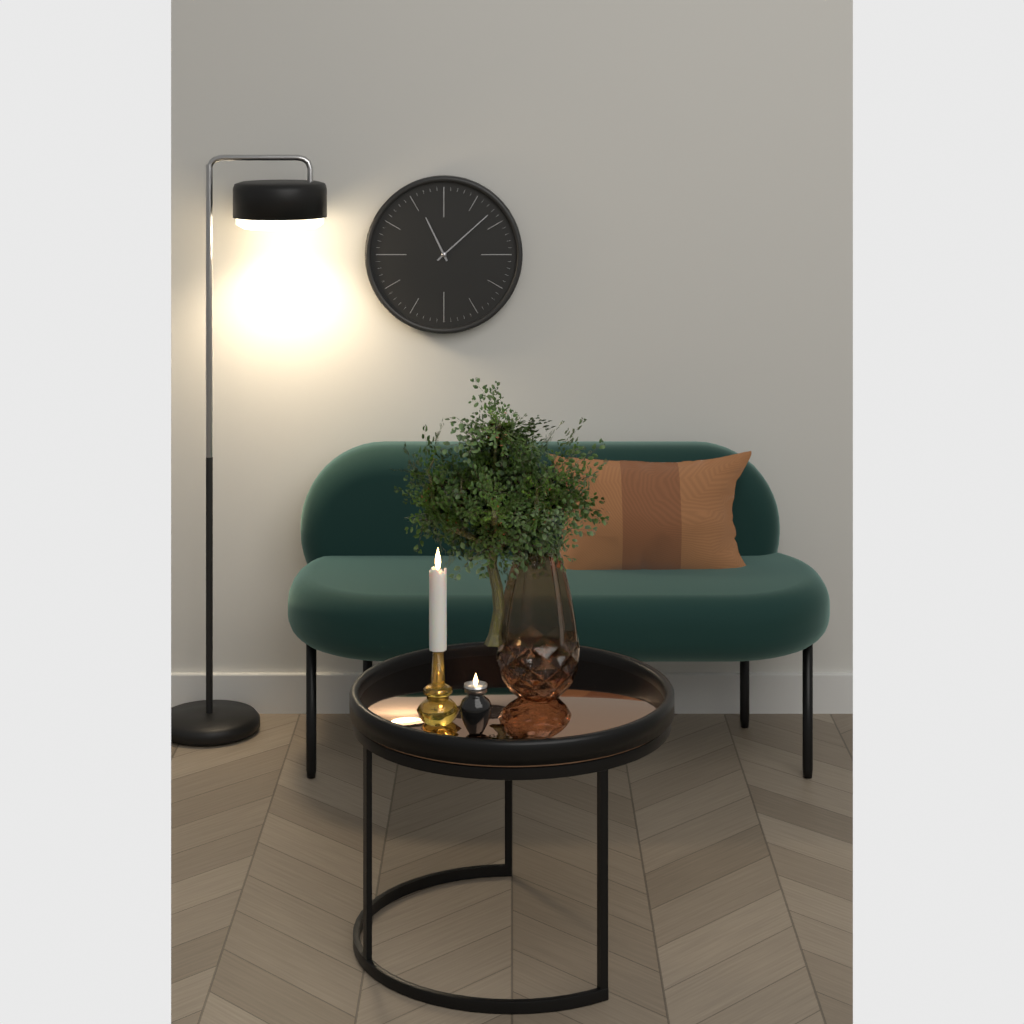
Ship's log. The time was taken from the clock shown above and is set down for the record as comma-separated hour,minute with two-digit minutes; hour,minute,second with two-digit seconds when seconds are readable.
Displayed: 11,08
